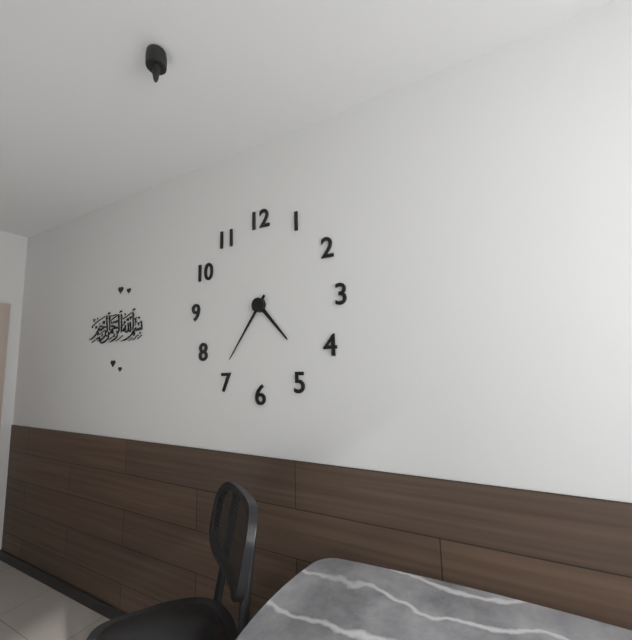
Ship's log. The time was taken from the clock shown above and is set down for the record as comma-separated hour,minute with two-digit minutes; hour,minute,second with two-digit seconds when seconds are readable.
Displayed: 4,36
